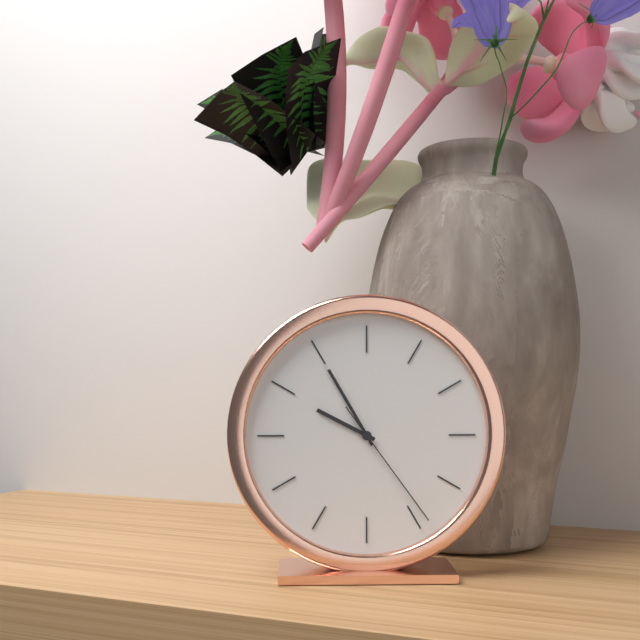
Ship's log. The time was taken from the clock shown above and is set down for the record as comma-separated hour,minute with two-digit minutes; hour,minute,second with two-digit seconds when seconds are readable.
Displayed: 9,55,24
